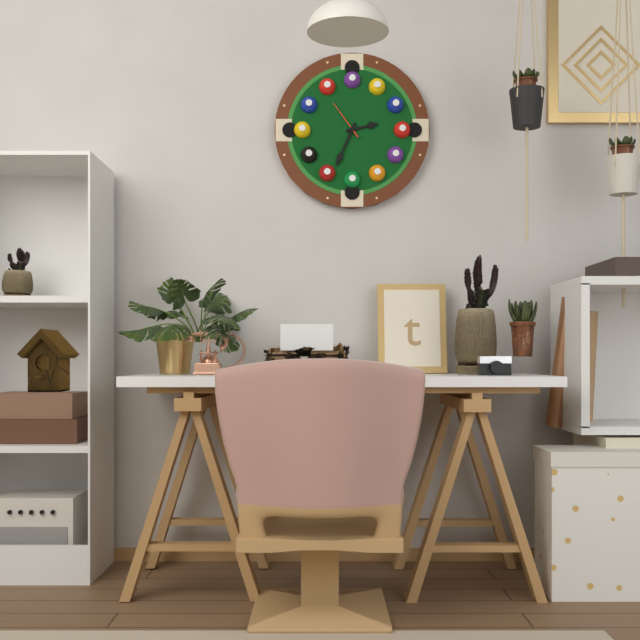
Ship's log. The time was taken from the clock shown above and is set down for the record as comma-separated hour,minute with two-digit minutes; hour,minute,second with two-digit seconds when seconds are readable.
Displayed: 2,34
